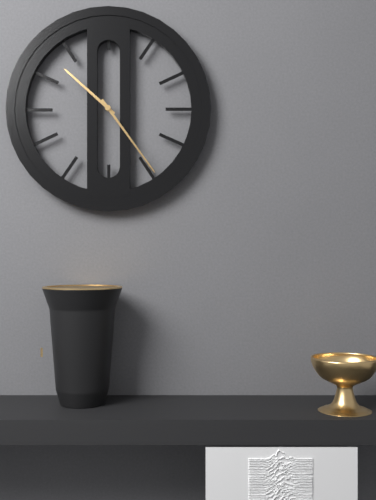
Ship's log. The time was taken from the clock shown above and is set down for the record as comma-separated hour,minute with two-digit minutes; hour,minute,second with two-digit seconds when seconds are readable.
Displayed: 10,24
